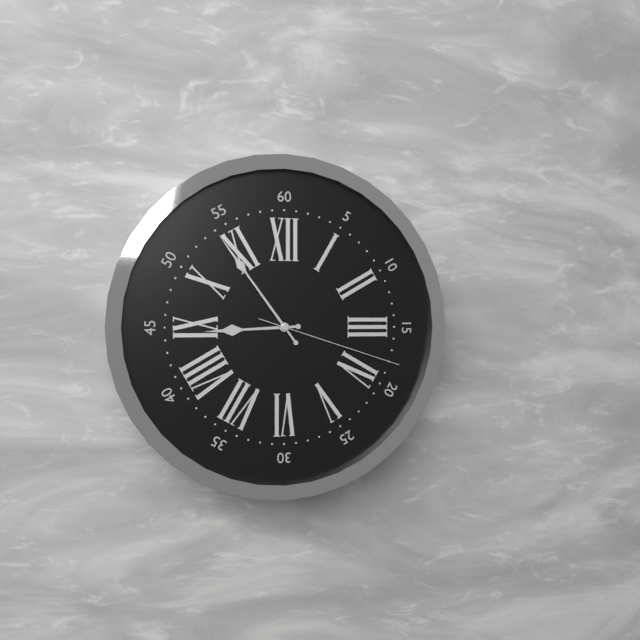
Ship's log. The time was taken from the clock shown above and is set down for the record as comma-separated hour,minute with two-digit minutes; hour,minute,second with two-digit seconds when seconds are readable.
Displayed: 8,54,18
